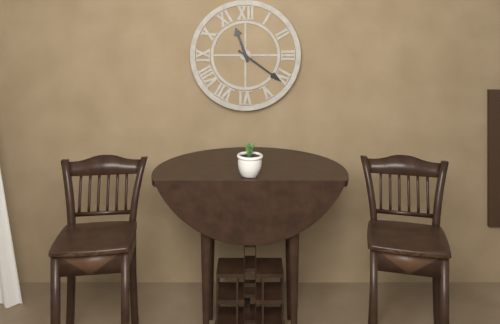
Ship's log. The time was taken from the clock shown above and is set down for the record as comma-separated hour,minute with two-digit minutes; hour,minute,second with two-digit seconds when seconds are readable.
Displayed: 11,21
